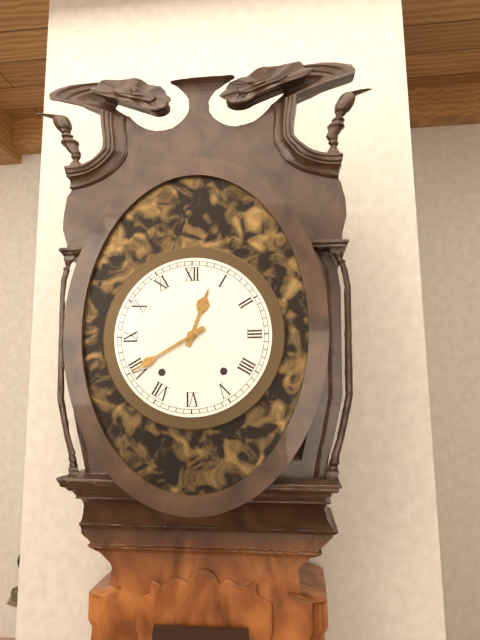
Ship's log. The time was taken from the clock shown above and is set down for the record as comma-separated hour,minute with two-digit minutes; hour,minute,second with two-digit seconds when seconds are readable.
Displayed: 12,40
